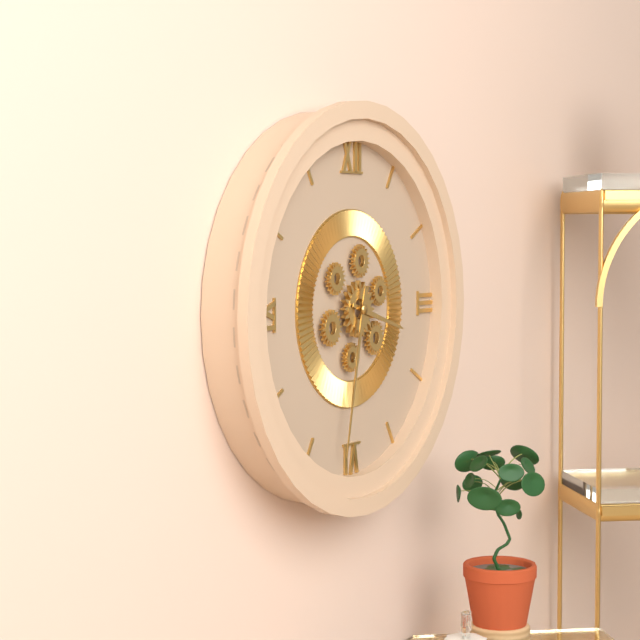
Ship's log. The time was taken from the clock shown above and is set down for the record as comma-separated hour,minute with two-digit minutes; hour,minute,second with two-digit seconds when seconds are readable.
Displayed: 3,32
